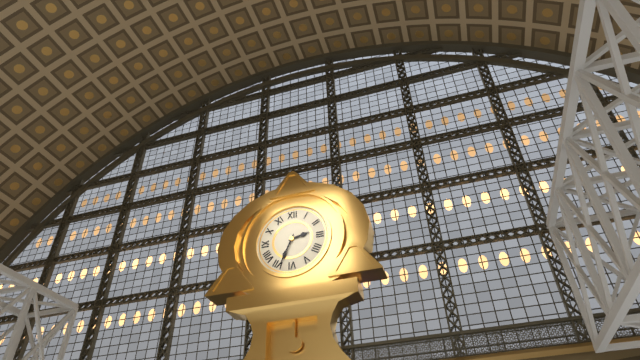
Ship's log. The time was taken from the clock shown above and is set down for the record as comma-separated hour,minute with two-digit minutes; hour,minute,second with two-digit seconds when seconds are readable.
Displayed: 2,34
